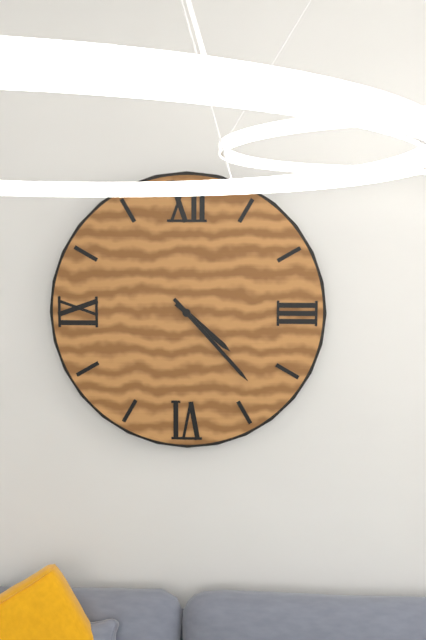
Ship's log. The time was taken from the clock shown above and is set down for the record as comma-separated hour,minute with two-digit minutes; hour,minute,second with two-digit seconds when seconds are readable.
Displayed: 4,23
